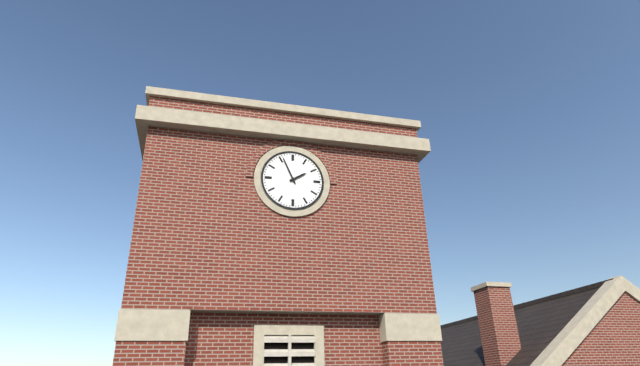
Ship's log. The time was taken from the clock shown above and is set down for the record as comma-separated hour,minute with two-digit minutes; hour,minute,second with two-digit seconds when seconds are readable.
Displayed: 1,56
